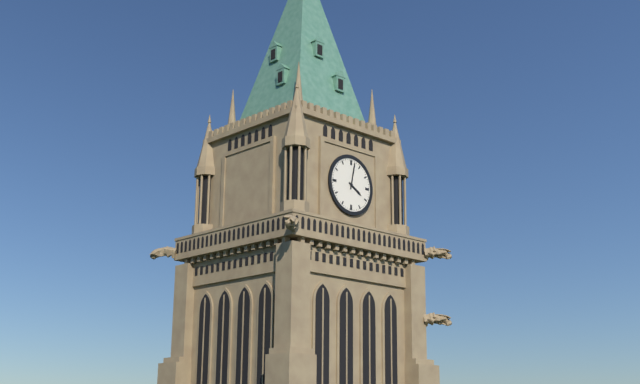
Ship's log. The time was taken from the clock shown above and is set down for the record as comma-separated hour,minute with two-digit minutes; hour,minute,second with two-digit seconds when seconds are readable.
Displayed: 4,02
